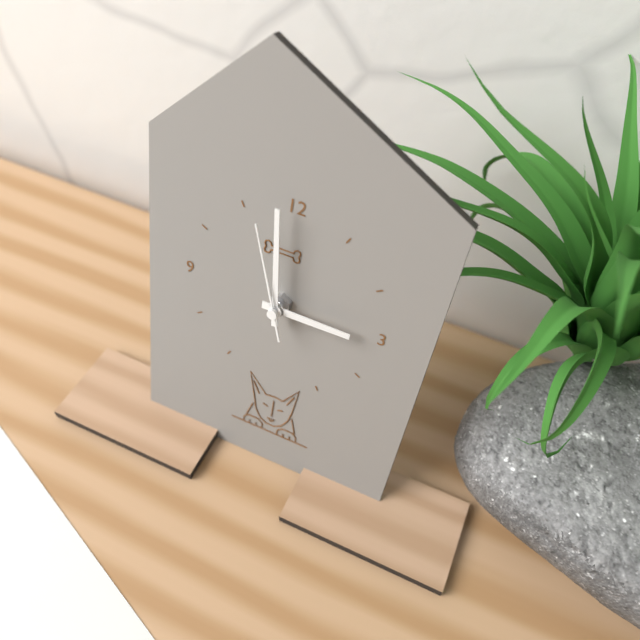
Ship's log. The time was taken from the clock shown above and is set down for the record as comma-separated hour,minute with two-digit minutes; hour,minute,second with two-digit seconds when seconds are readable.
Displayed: 2,59,57
